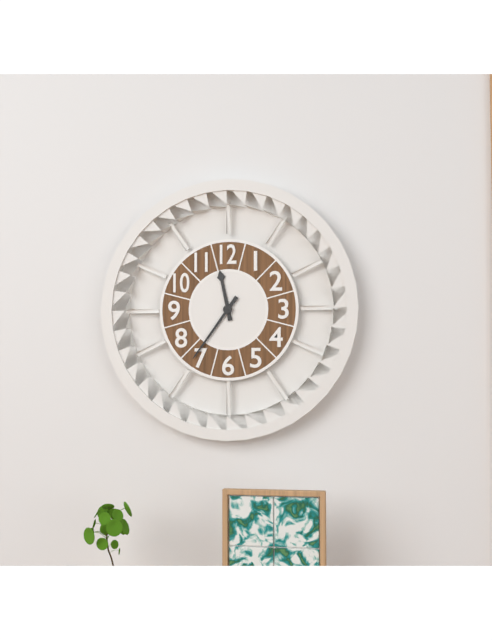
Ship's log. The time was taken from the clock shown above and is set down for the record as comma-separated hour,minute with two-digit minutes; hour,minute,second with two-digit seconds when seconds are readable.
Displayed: 11,36
